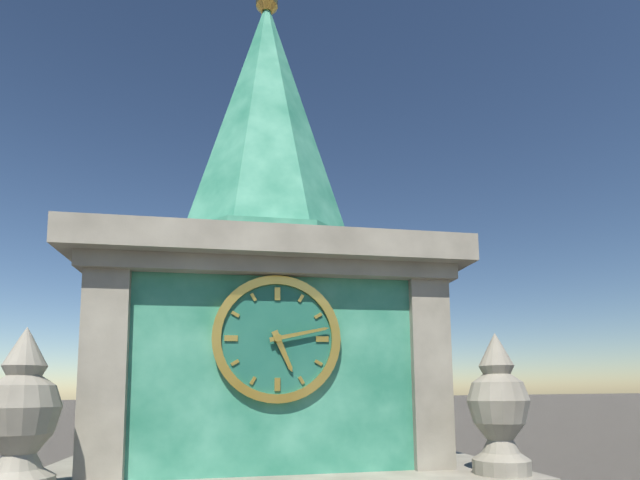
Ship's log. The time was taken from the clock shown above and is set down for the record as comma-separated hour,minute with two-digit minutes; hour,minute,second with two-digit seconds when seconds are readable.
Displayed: 5,13
